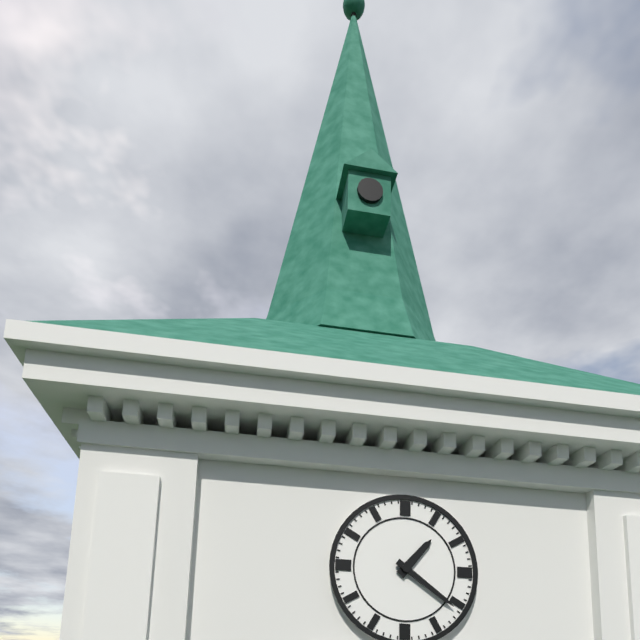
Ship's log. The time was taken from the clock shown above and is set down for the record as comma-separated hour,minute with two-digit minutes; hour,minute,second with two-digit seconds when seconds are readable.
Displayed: 1,21
